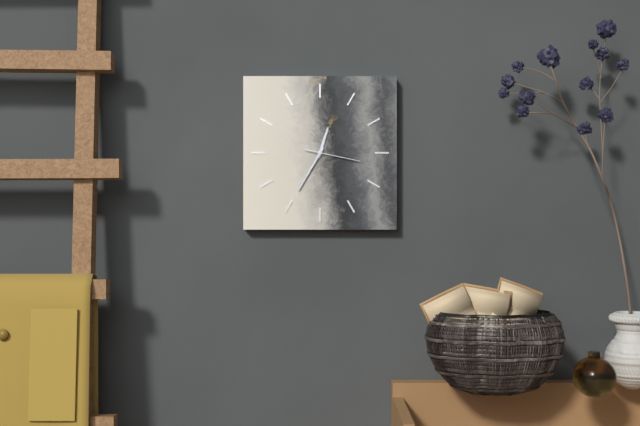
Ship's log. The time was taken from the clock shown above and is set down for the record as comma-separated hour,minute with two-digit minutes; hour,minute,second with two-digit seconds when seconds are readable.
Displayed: 12,35,17
